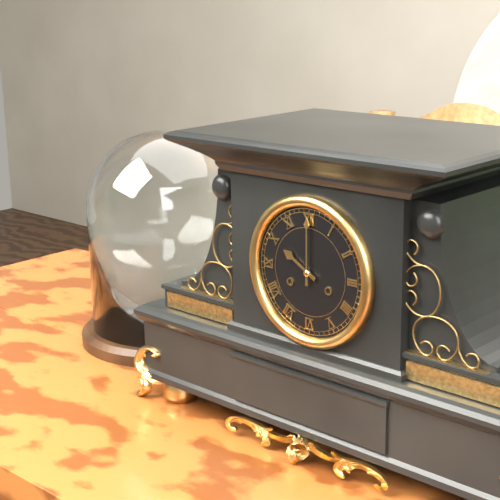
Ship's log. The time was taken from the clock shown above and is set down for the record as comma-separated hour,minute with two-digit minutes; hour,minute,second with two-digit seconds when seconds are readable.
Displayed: 10,00
